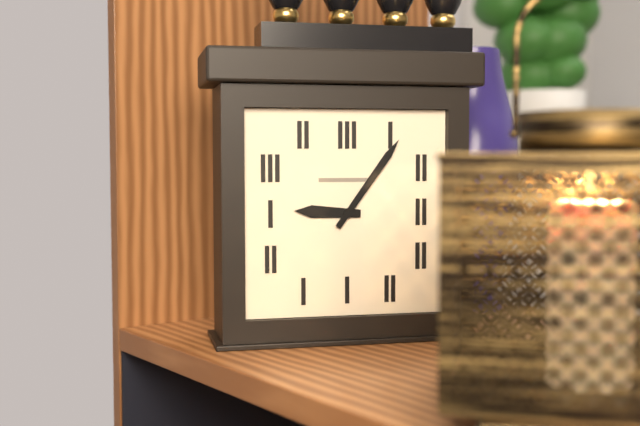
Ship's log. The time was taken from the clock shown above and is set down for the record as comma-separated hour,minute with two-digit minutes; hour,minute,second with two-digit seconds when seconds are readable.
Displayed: 9,06
